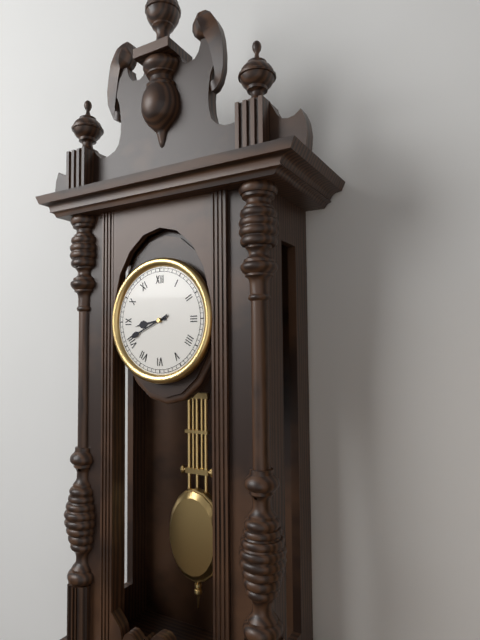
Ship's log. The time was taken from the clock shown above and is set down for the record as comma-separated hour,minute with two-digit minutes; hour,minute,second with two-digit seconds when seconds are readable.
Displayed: 8,41
